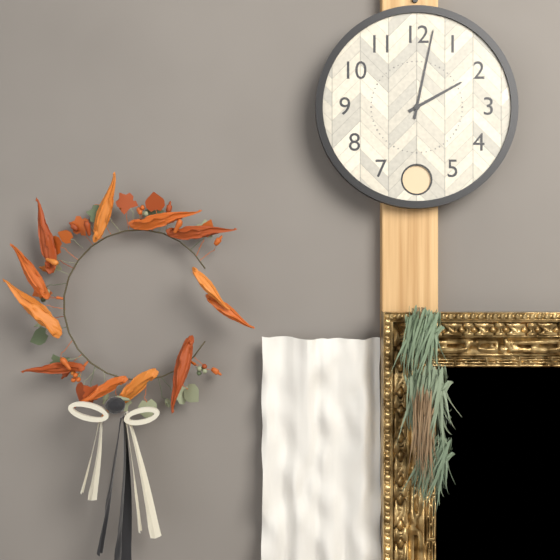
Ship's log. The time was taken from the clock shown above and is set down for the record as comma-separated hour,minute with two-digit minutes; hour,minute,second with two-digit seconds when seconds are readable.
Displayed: 2,02
